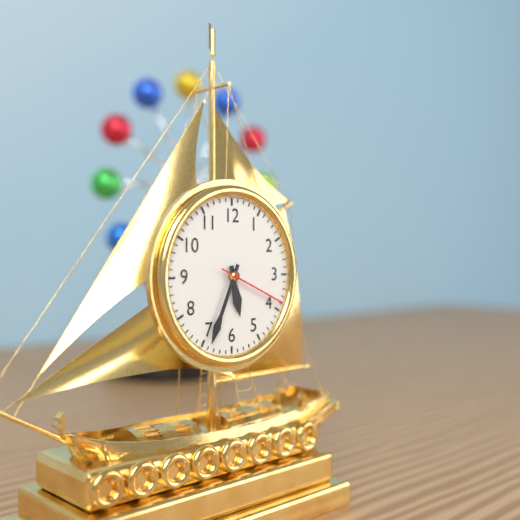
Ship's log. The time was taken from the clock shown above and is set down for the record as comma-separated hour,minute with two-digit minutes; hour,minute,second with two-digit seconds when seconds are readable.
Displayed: 5,34,19
